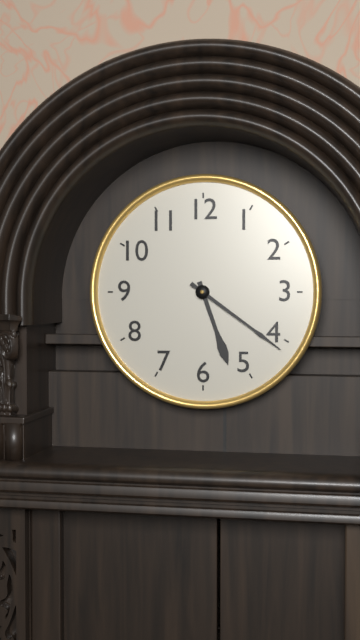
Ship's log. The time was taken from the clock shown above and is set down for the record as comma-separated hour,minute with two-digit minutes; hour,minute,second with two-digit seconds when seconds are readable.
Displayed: 5,21
